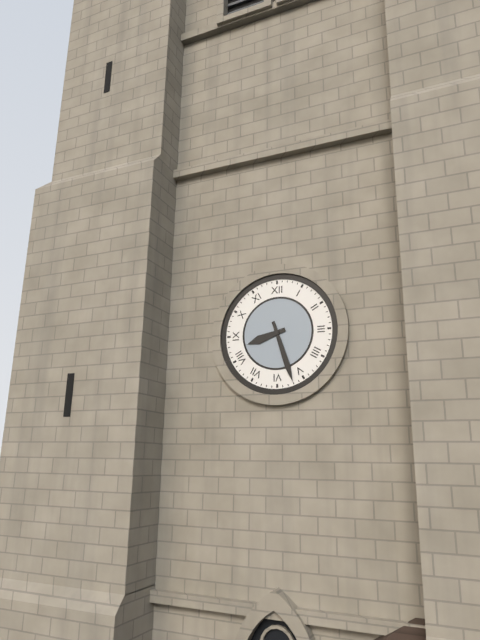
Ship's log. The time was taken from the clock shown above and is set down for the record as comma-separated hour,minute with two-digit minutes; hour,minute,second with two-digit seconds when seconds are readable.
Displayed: 8,27
